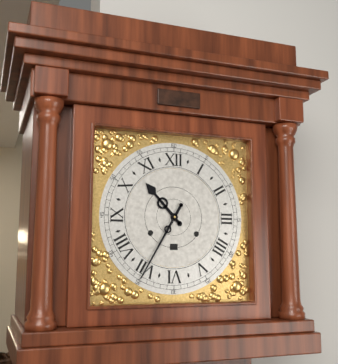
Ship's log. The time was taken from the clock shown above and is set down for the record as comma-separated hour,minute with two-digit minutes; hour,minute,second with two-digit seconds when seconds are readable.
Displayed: 10,35
